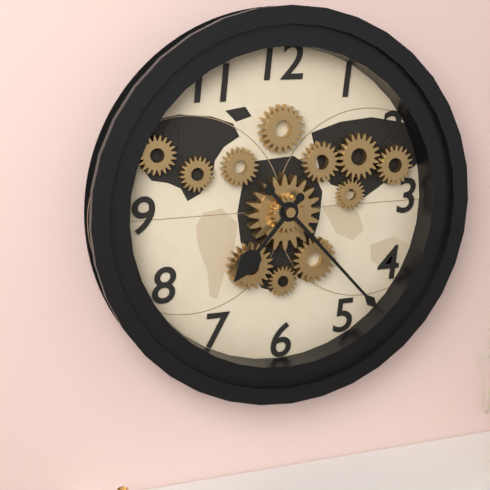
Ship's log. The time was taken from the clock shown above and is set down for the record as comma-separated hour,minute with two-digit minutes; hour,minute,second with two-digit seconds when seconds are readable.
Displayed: 7,23
